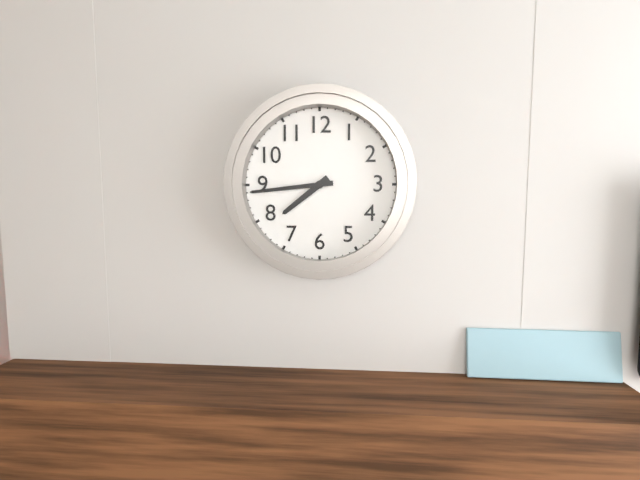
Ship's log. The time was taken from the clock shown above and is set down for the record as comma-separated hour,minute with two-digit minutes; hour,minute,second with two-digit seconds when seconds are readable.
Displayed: 7,44
